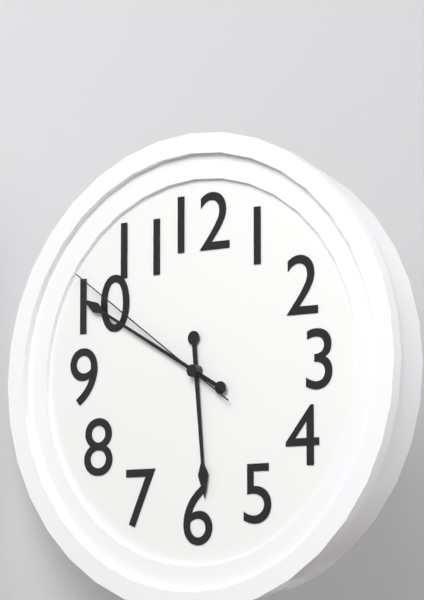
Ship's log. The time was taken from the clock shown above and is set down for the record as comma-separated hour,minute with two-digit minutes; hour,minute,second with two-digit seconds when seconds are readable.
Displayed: 5,50,51
